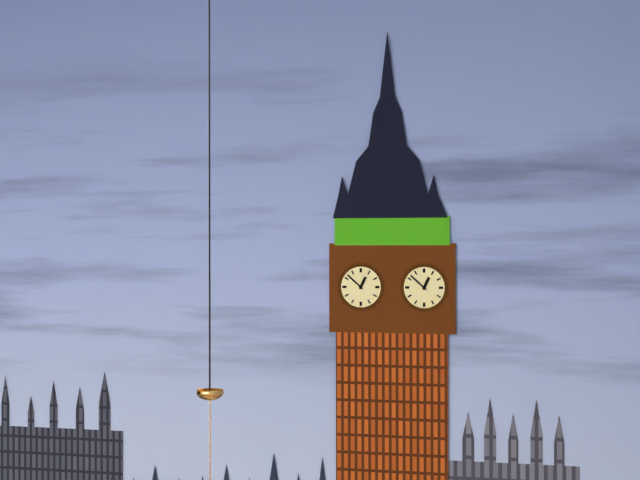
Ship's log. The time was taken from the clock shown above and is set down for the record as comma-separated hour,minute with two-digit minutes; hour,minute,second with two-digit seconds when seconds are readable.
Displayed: 12,52
